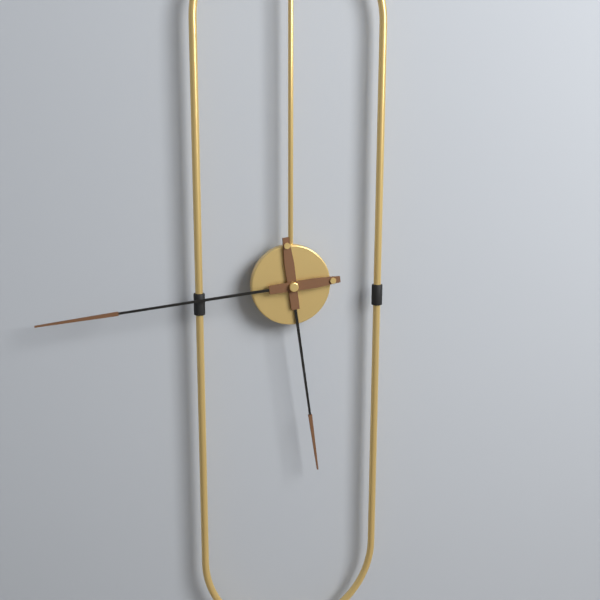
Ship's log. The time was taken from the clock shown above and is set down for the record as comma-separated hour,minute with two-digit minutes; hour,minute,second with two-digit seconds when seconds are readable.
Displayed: 5,44
